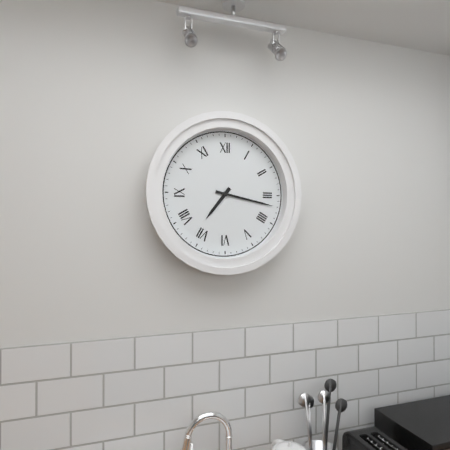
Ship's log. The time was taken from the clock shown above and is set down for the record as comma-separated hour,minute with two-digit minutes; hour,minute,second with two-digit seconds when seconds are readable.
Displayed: 7,17
